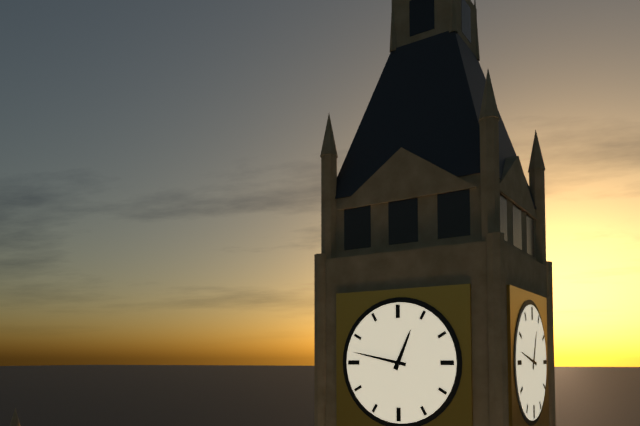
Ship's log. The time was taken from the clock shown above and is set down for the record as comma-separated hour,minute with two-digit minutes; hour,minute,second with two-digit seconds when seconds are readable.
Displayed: 12,47
